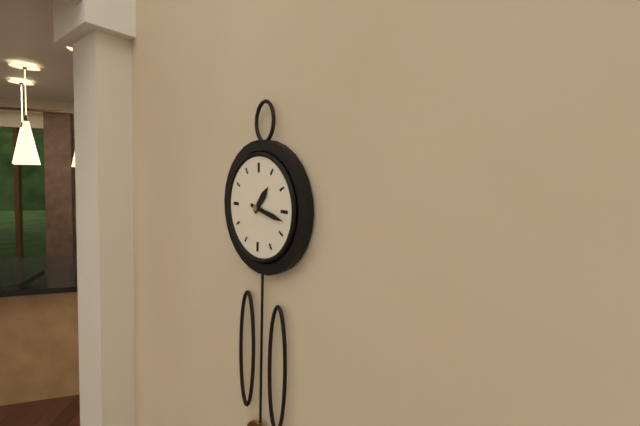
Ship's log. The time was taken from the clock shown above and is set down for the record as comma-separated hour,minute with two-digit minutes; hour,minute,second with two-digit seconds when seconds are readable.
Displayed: 1,17
